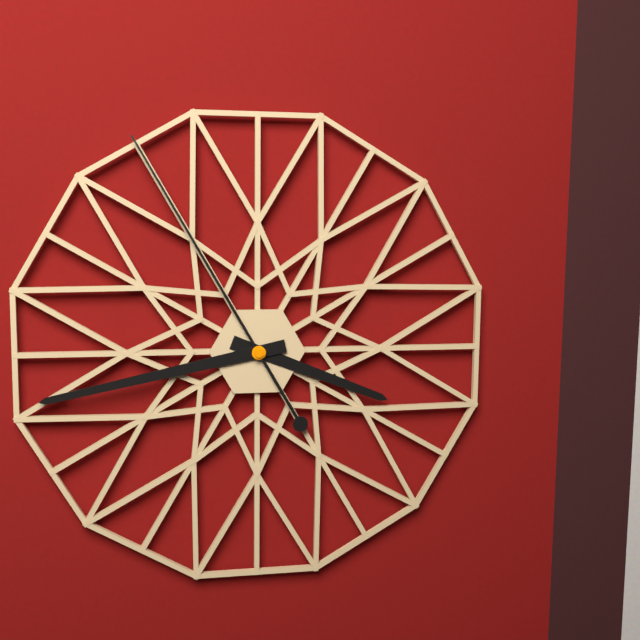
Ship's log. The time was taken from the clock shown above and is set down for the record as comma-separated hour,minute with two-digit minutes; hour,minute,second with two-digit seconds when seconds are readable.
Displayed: 3,43,55
